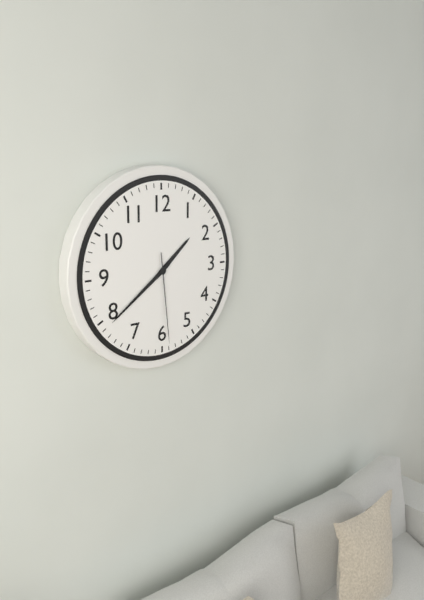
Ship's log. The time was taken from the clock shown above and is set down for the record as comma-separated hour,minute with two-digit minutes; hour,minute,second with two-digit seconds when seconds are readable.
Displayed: 1,39,29
